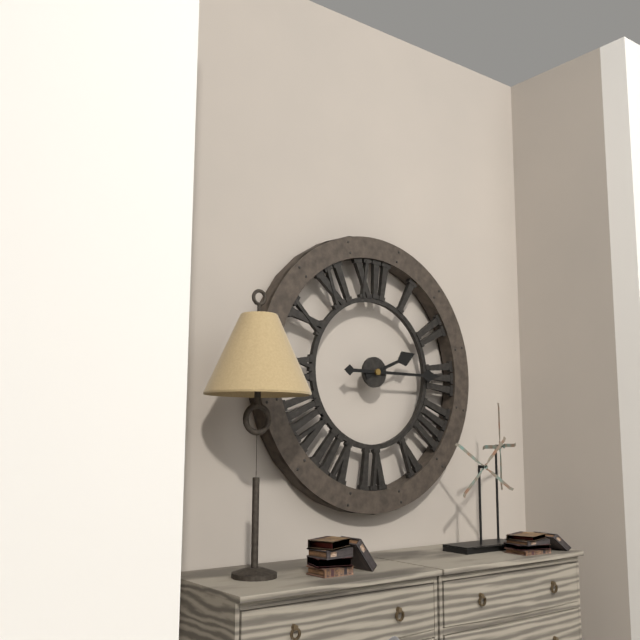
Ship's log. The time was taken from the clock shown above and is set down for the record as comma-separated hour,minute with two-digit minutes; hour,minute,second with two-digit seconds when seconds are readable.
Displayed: 2,15
